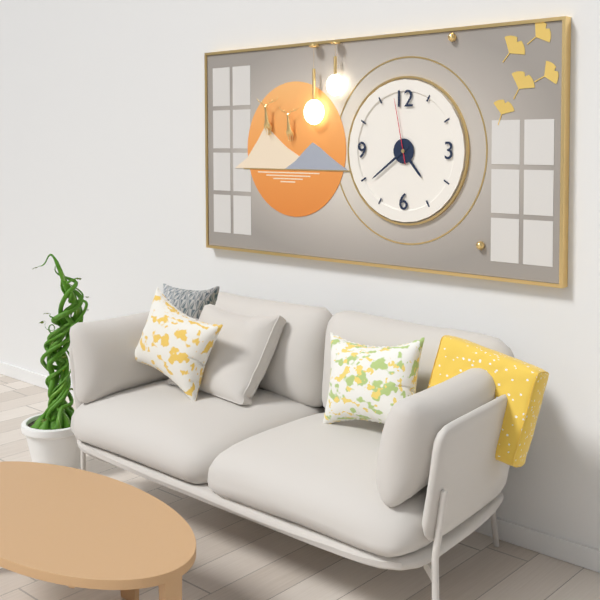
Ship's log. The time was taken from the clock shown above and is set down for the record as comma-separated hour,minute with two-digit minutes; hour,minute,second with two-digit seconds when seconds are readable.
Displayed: 4,39,58
